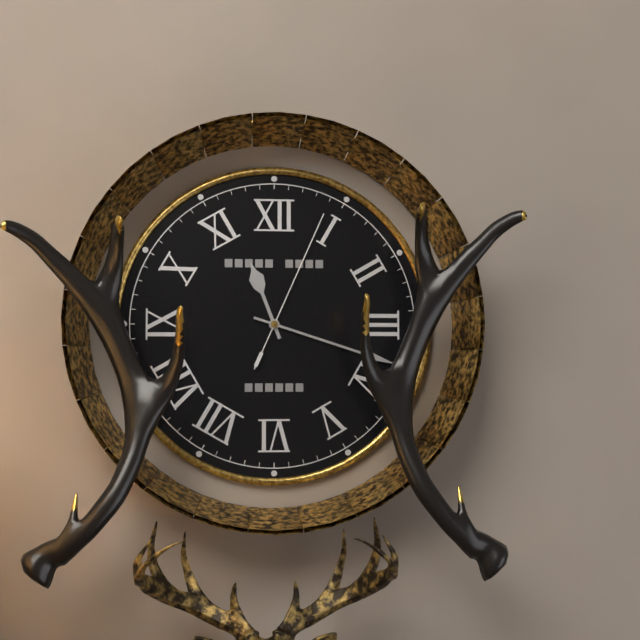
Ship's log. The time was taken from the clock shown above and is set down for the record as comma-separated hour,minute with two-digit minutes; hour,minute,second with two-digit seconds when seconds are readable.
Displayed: 11,18,04
